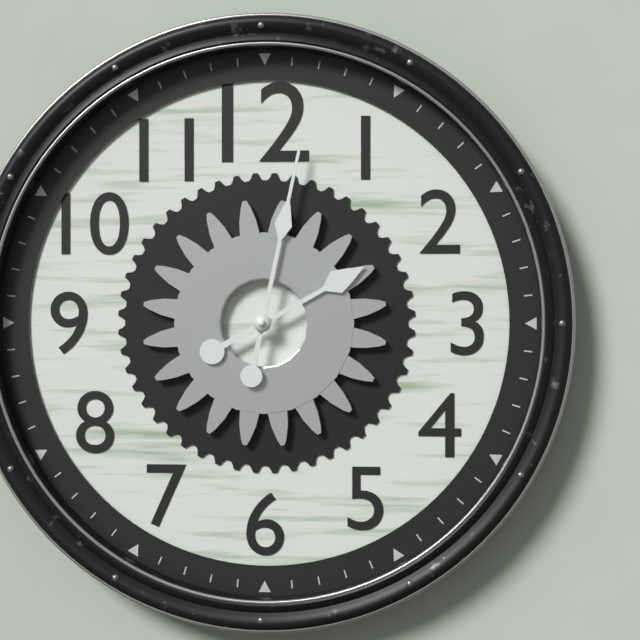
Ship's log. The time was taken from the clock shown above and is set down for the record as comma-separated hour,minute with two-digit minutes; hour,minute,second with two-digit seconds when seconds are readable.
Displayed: 2,02
